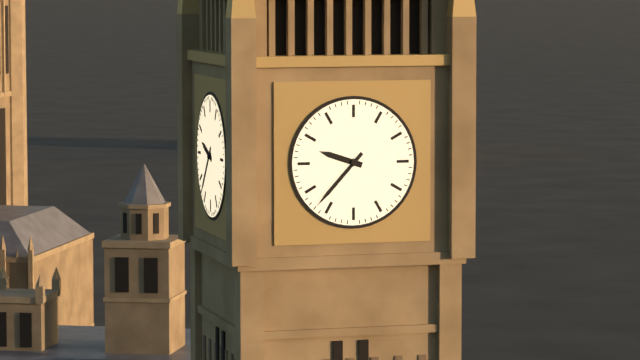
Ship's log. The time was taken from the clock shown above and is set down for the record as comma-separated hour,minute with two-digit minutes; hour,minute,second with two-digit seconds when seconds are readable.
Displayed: 9,37
